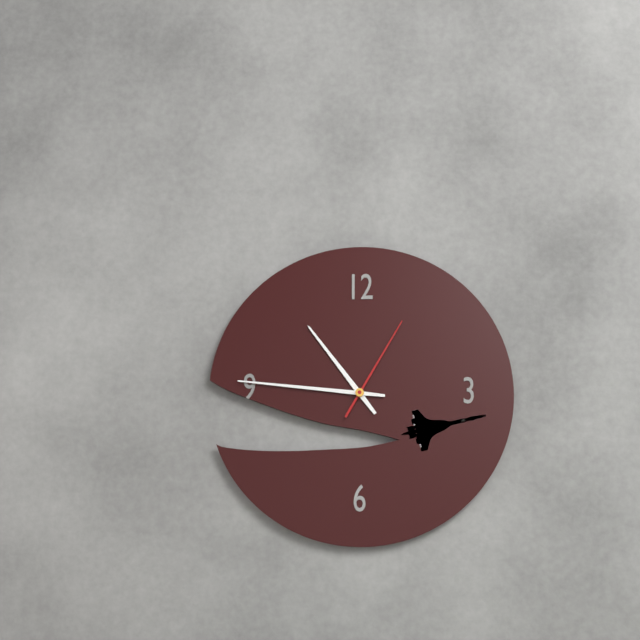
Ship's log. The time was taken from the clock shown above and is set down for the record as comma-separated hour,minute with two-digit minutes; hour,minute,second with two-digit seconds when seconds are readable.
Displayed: 10,46,05
